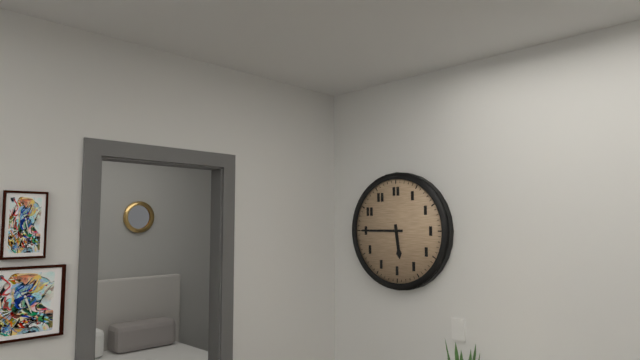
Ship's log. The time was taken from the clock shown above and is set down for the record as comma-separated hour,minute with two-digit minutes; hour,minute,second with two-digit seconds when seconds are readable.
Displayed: 5,45
